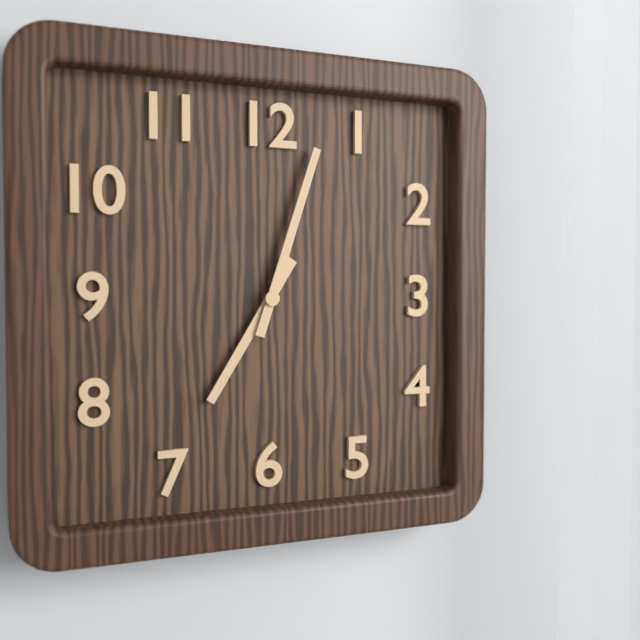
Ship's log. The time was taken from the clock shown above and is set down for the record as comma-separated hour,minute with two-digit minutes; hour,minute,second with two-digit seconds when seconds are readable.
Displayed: 7,03
